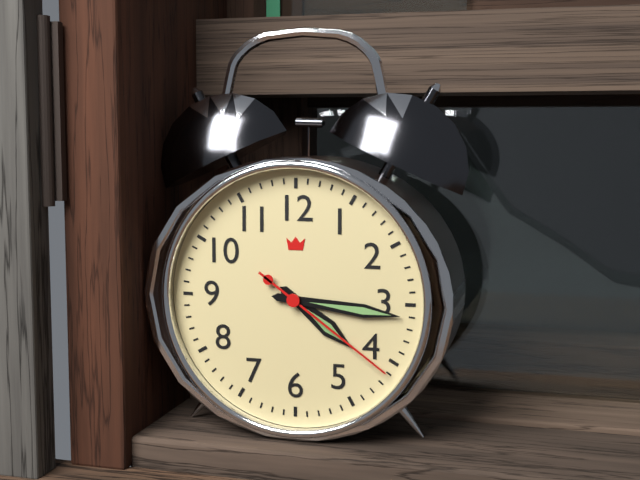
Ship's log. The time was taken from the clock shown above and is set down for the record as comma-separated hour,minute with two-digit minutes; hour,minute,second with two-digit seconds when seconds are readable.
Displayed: 4,16,21
